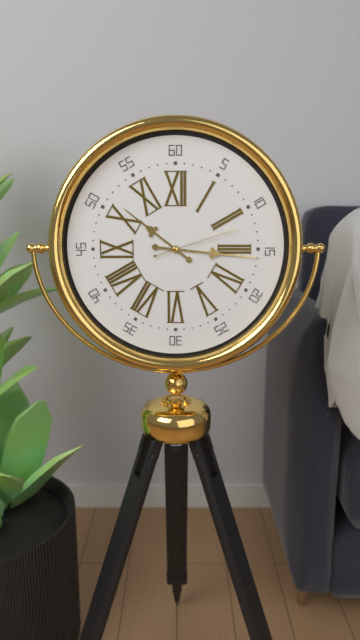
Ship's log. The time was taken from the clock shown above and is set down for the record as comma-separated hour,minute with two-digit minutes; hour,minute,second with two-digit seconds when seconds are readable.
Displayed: 10,16,12
